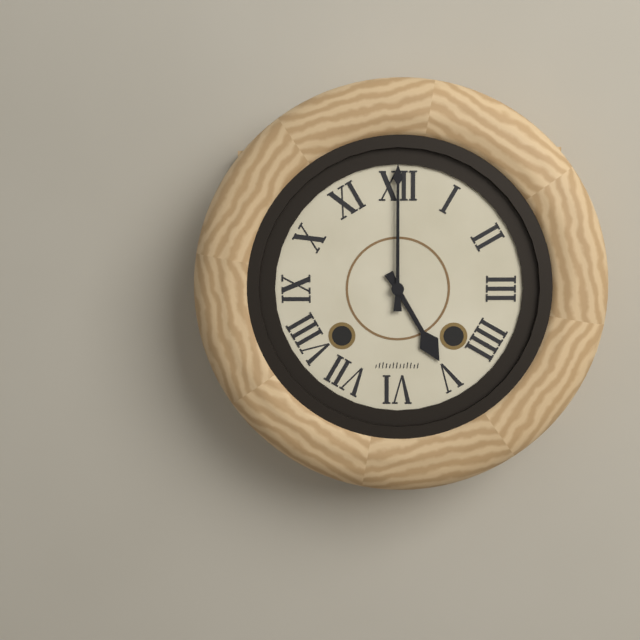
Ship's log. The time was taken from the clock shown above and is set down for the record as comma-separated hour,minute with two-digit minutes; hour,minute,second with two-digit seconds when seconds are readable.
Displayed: 5,00
